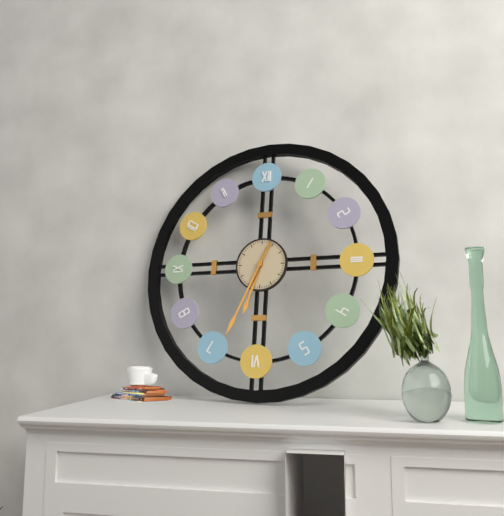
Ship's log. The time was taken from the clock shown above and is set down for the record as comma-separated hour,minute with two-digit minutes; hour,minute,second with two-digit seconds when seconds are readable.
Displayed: 6,34
